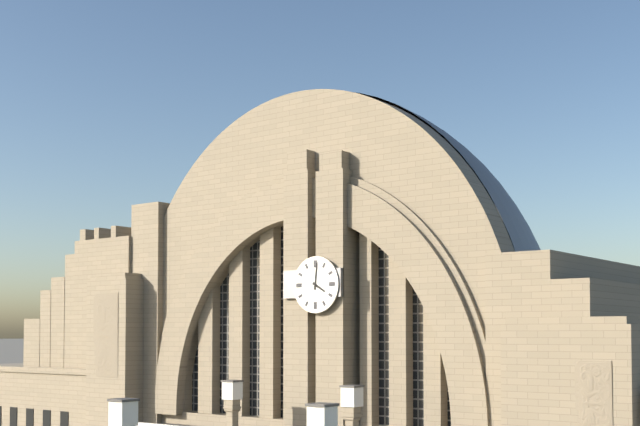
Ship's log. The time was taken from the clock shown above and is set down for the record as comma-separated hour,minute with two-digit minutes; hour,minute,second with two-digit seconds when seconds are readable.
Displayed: 4,01
